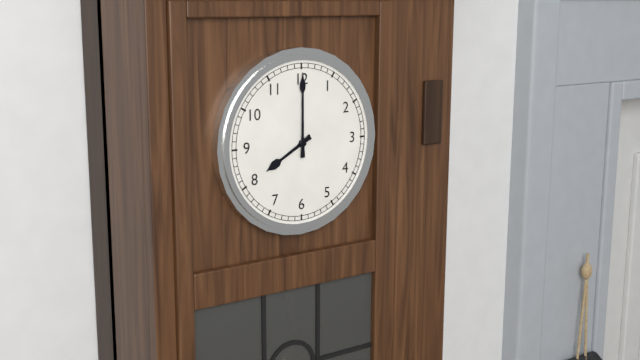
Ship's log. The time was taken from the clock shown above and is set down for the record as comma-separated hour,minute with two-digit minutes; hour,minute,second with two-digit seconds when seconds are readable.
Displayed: 8,00
